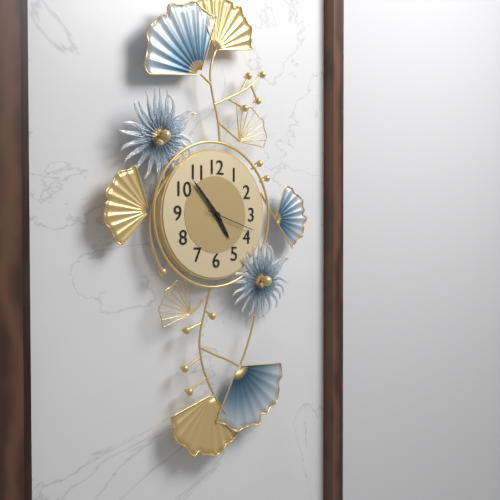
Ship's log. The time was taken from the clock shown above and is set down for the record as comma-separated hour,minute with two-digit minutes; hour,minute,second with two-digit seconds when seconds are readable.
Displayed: 4,53
